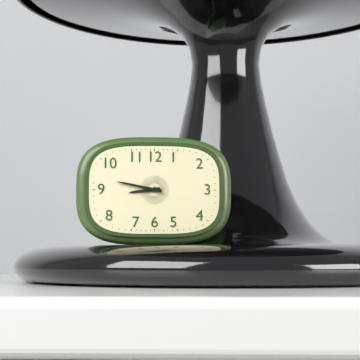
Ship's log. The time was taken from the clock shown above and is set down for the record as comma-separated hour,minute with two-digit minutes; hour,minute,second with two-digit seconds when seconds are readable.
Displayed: 8,47
